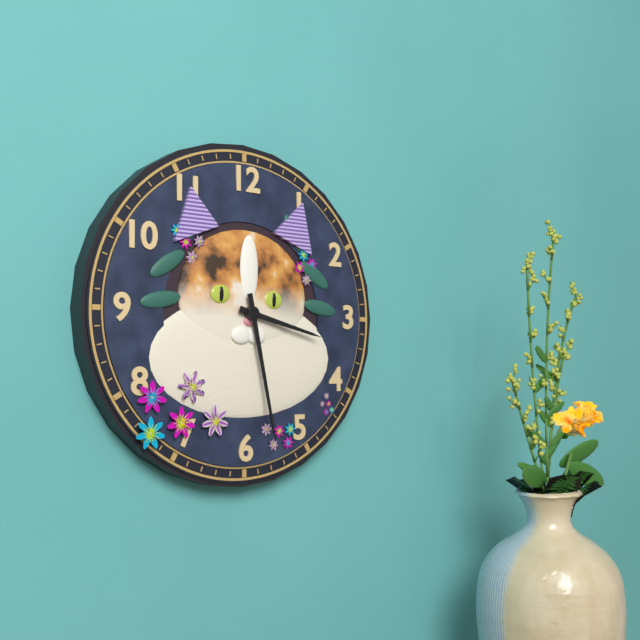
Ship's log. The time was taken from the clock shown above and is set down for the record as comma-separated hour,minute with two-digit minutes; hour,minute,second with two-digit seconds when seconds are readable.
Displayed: 3,28
